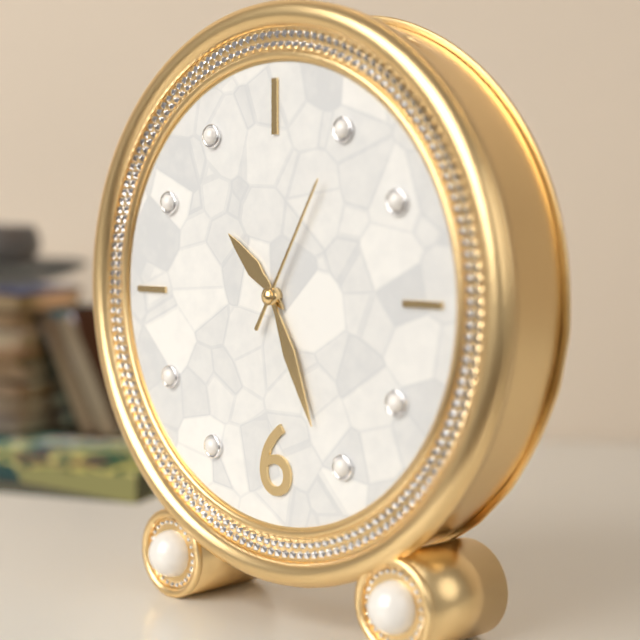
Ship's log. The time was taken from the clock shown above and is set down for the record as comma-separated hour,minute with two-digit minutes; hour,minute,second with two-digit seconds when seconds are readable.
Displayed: 10,26,05
